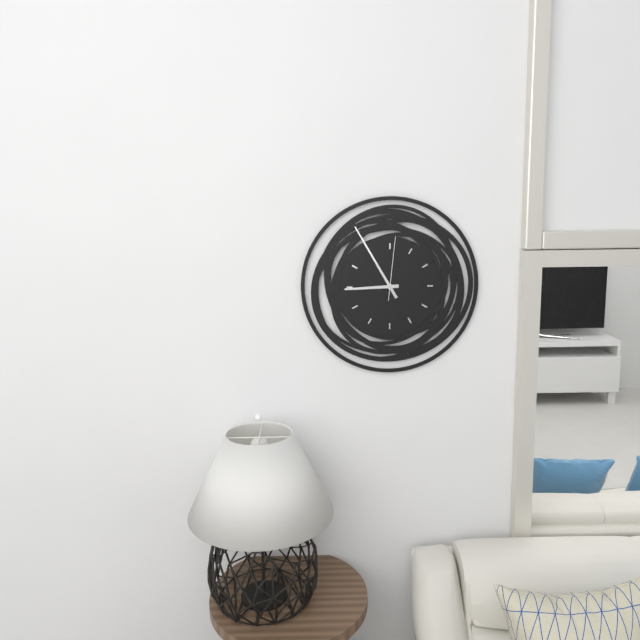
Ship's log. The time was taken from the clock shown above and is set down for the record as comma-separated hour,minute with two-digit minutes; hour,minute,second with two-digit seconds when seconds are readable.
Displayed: 8,55,01
